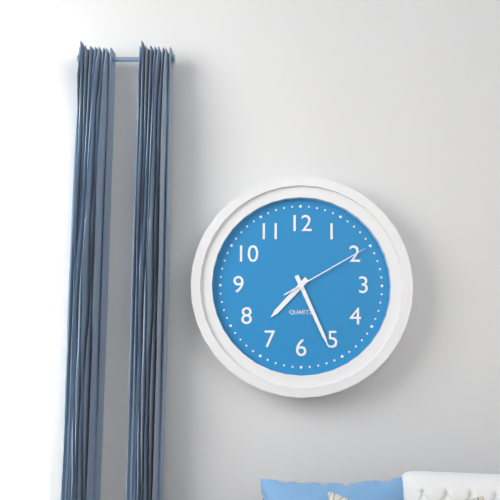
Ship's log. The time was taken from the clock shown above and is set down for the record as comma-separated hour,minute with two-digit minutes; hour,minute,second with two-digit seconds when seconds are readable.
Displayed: 7,26,10
